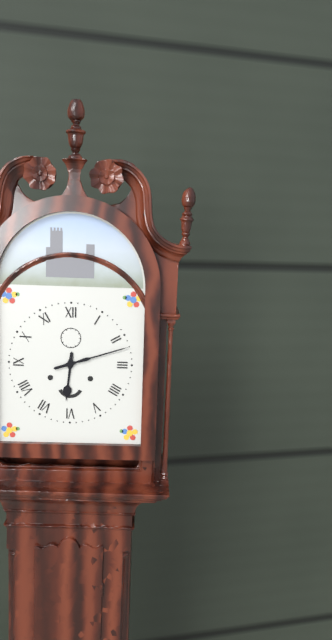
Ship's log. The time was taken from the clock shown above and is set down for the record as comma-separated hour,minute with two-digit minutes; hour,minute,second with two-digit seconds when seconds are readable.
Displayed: 6,12
